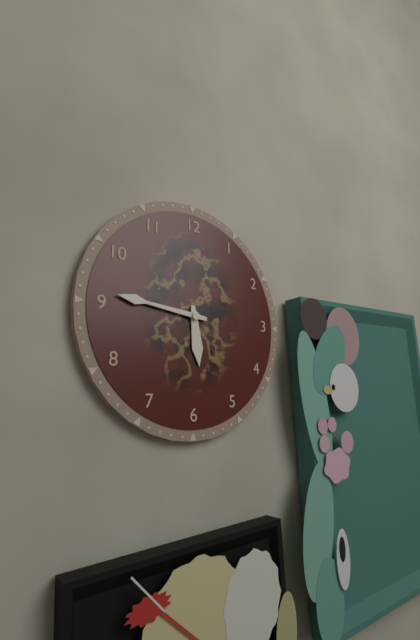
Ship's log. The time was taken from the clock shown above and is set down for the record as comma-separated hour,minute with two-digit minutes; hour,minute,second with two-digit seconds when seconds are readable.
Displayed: 5,46
